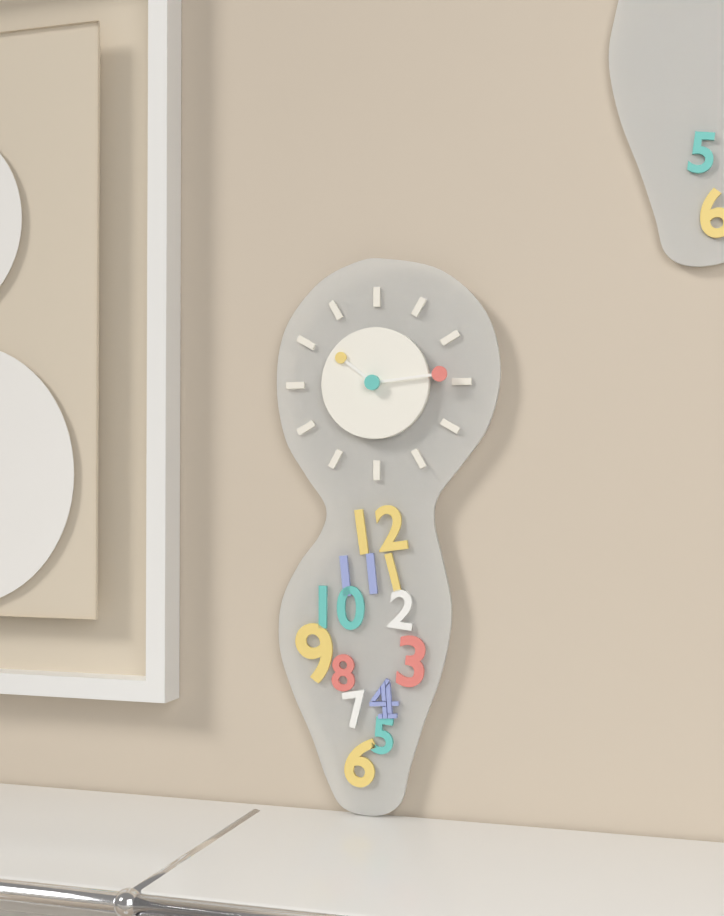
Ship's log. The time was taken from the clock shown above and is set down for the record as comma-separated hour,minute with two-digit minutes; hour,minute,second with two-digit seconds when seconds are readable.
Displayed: 10,14
